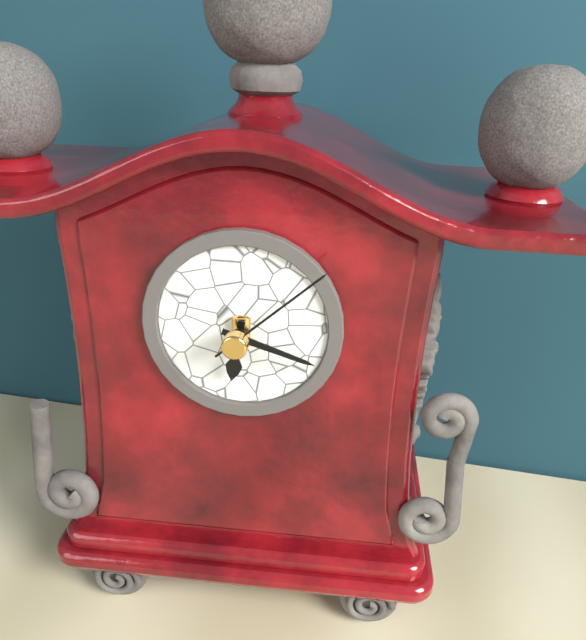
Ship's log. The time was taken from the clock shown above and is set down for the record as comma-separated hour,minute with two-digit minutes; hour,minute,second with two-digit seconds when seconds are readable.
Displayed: 6,18,08
